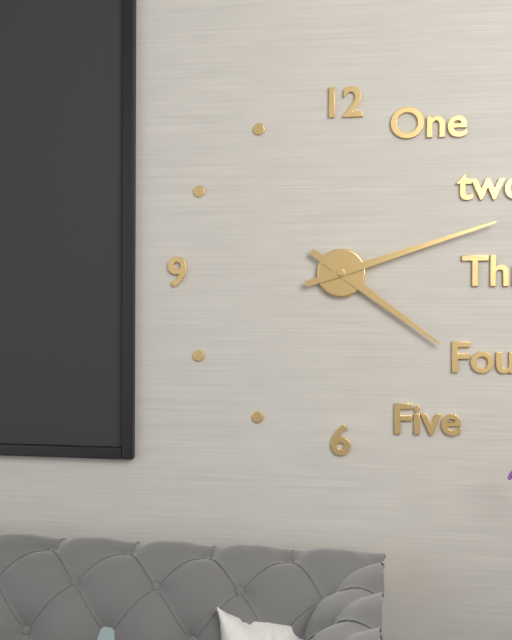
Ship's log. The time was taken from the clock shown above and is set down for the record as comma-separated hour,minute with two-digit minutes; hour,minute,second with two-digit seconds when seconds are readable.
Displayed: 4,12
